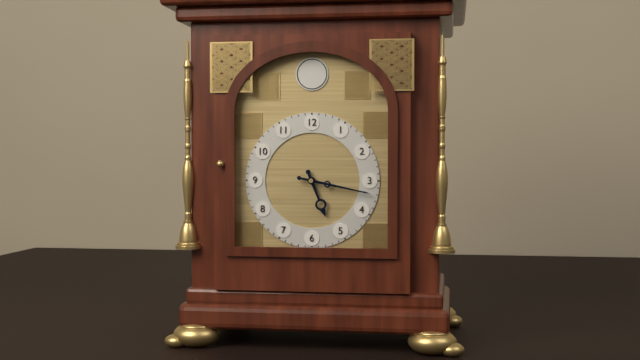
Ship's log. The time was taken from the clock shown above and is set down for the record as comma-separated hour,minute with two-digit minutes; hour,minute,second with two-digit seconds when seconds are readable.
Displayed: 5,17
